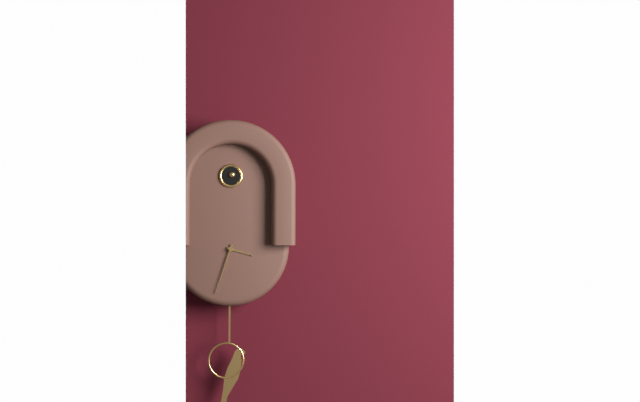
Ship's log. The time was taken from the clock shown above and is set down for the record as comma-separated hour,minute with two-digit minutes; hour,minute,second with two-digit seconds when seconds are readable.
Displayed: 3,33
